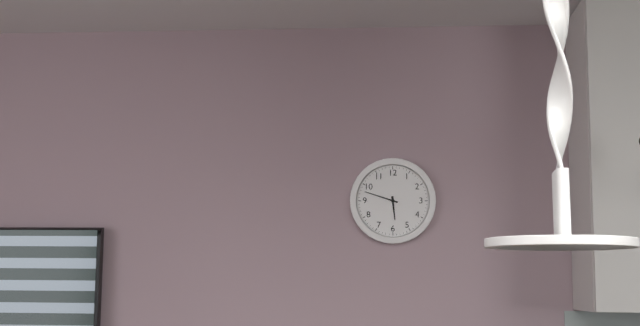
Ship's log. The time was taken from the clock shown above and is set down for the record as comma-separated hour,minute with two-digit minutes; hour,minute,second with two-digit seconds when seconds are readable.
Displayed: 5,48
